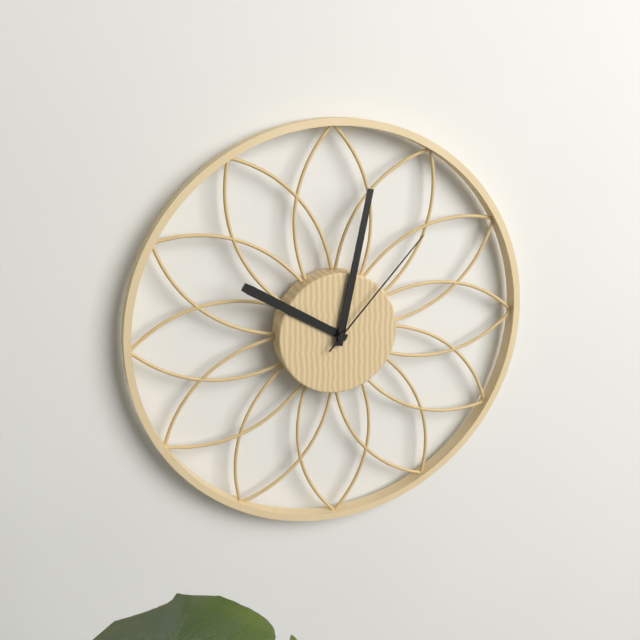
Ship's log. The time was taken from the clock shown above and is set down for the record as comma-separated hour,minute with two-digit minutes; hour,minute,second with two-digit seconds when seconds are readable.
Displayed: 10,02,07
